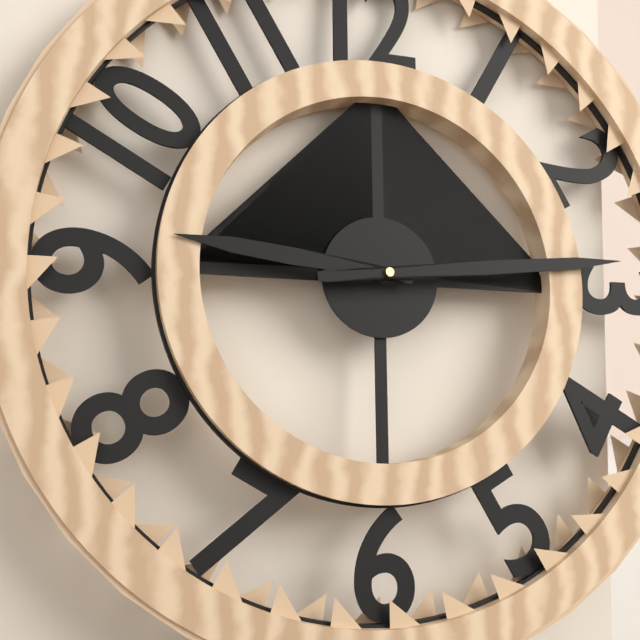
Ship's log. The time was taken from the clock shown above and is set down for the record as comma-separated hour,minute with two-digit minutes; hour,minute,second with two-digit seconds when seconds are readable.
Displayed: 9,14
